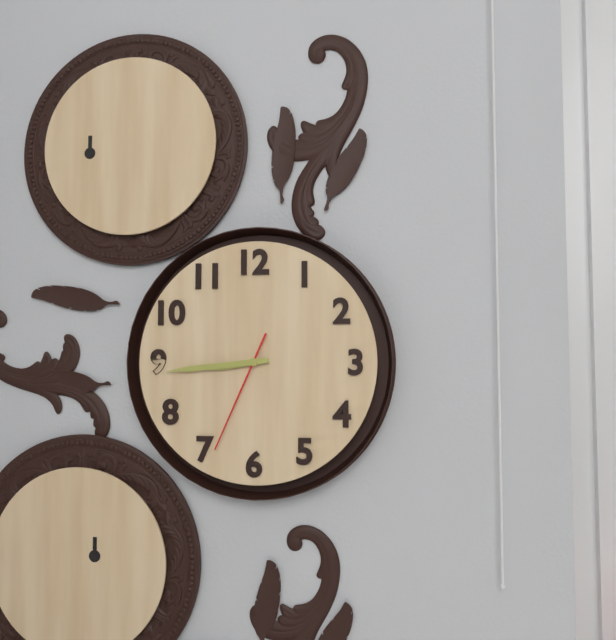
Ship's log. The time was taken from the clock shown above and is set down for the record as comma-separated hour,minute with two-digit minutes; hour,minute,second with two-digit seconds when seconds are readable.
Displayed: 8,44,34
